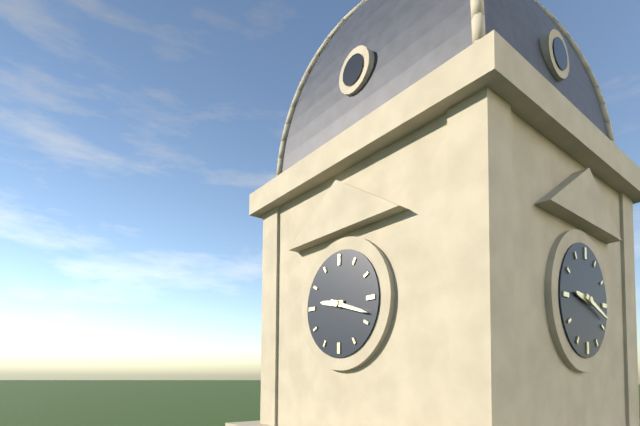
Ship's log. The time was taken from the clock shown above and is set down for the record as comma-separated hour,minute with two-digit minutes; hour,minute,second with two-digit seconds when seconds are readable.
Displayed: 9,18
